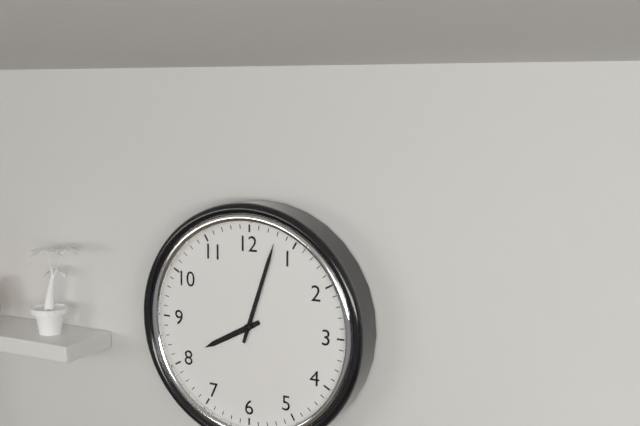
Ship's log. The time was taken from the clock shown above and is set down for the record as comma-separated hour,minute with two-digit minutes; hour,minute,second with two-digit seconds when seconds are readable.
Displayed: 8,03
